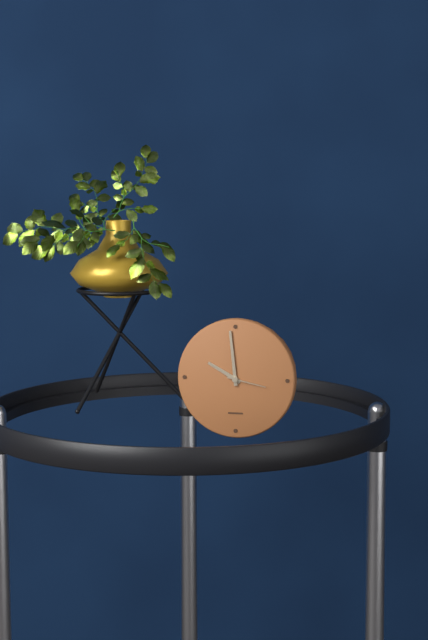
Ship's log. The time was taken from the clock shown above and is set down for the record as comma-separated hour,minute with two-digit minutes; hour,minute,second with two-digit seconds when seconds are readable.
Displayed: 9,59
